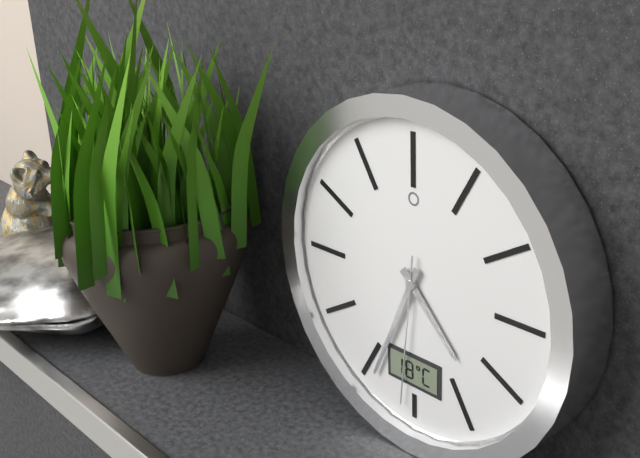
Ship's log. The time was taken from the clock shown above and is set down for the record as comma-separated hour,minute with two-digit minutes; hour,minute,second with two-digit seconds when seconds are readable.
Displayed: 4,34,31
